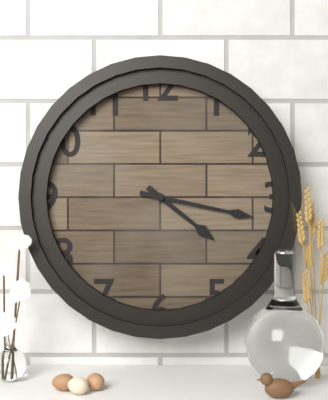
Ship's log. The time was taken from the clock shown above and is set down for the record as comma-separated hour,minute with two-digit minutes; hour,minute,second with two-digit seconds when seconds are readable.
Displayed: 4,17
